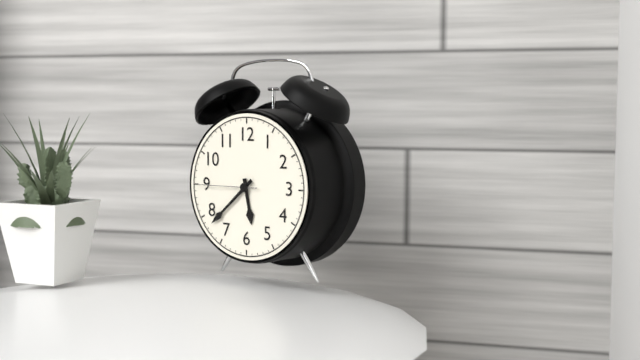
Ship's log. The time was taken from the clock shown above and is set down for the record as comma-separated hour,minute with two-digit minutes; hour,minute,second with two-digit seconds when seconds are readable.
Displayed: 5,38,45
